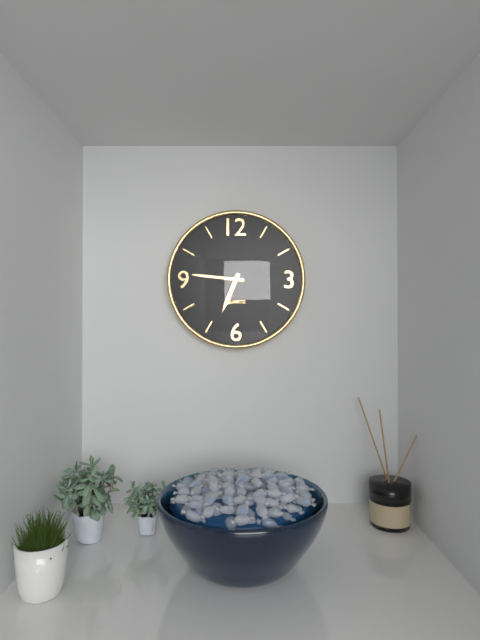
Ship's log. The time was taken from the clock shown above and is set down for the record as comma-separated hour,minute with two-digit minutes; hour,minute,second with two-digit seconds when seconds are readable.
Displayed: 6,46
